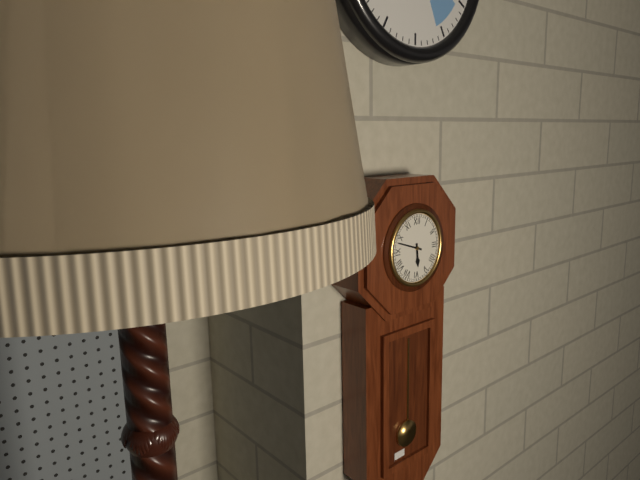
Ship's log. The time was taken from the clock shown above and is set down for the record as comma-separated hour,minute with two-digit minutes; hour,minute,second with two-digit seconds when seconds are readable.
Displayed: 5,48
